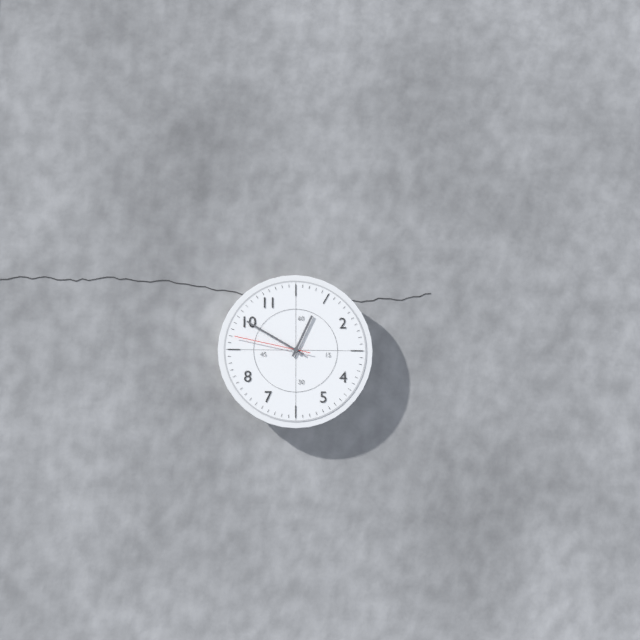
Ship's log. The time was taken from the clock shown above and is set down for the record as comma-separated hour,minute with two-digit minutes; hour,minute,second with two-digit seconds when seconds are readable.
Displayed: 12,50,47
